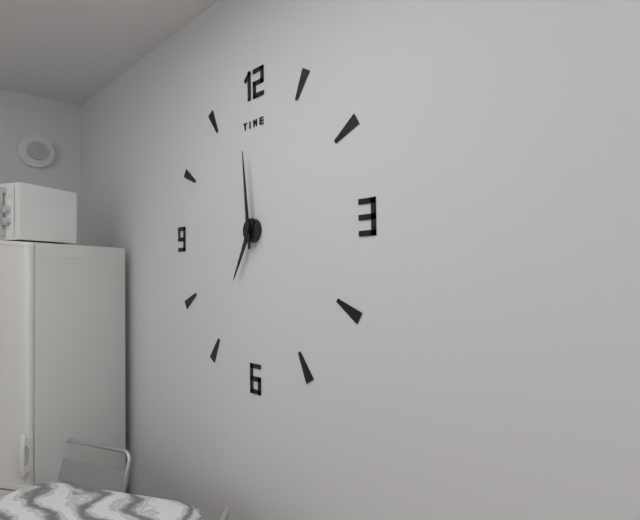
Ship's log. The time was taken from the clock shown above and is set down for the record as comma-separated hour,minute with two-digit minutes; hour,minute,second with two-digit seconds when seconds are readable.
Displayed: 6,59
